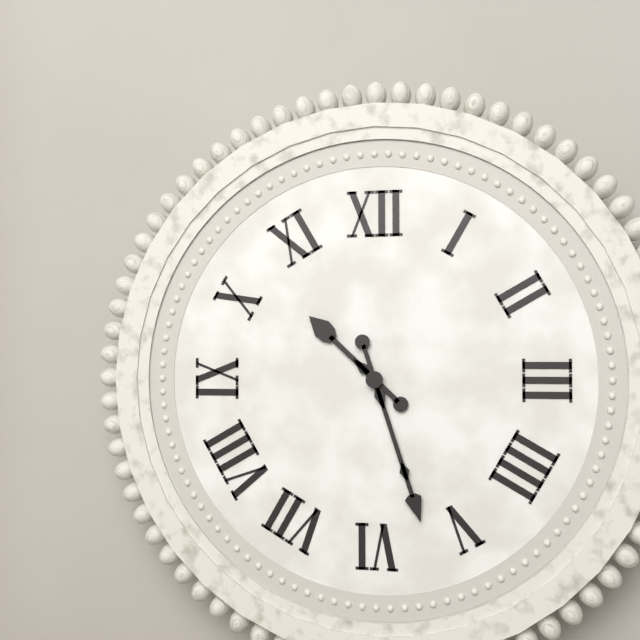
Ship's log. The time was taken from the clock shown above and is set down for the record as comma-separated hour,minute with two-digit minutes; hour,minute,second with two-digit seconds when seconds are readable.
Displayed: 10,27
